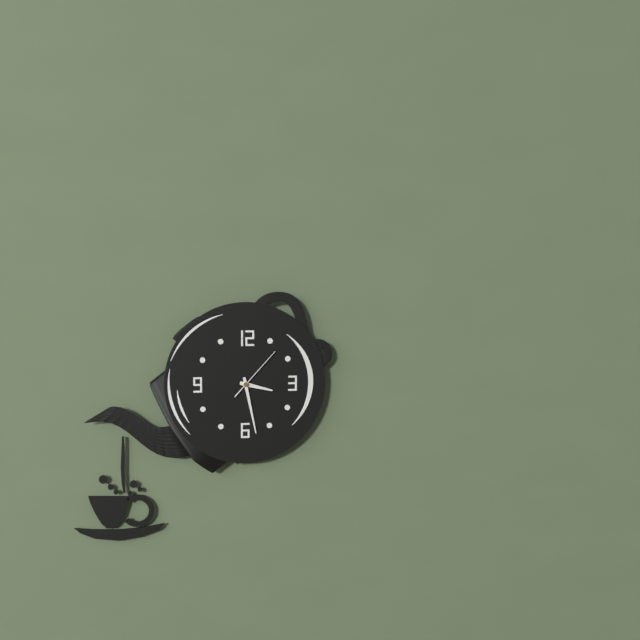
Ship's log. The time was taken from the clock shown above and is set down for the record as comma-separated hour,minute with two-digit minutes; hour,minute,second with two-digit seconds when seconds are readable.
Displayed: 3,28,07
